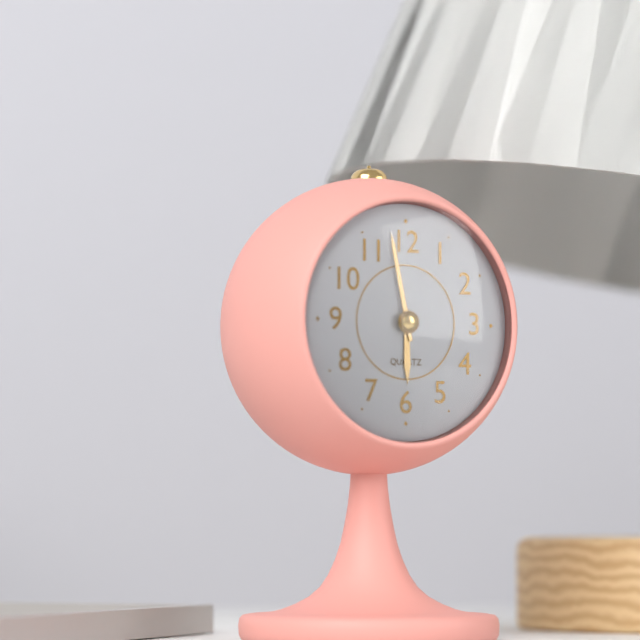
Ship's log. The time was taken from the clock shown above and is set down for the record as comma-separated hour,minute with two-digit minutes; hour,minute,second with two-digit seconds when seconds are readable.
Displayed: 5,58
